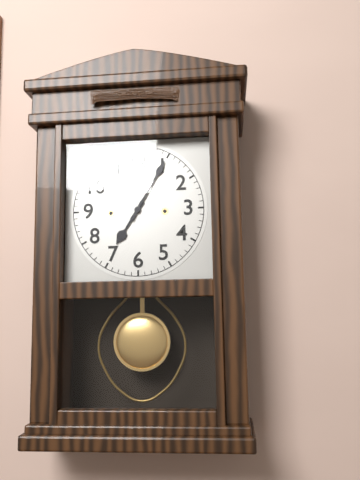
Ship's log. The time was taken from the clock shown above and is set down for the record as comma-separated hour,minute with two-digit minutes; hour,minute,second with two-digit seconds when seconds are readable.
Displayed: 7,05
